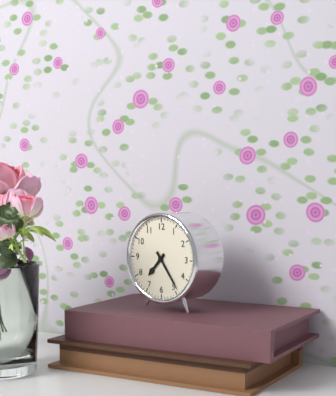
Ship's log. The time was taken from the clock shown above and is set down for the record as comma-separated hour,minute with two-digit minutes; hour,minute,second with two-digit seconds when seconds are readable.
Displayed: 7,24
